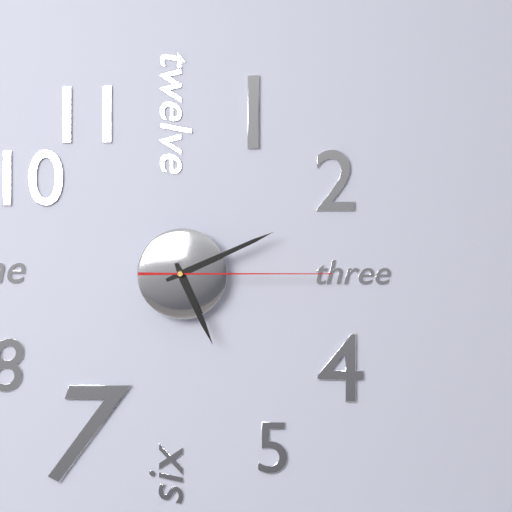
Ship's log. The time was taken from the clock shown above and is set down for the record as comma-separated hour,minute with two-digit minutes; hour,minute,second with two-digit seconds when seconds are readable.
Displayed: 5,11,15
